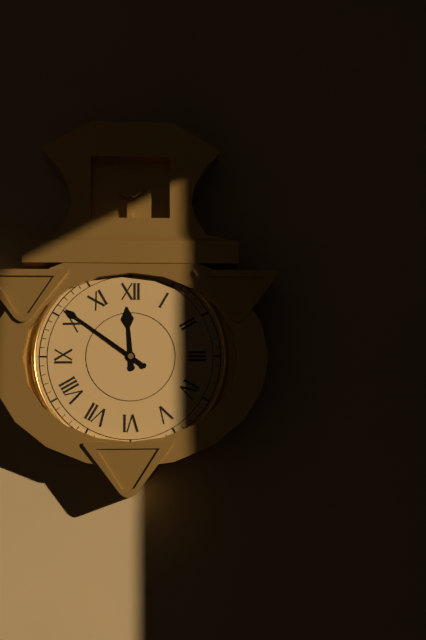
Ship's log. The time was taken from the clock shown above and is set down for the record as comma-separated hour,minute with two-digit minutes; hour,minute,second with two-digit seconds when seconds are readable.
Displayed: 11,51
